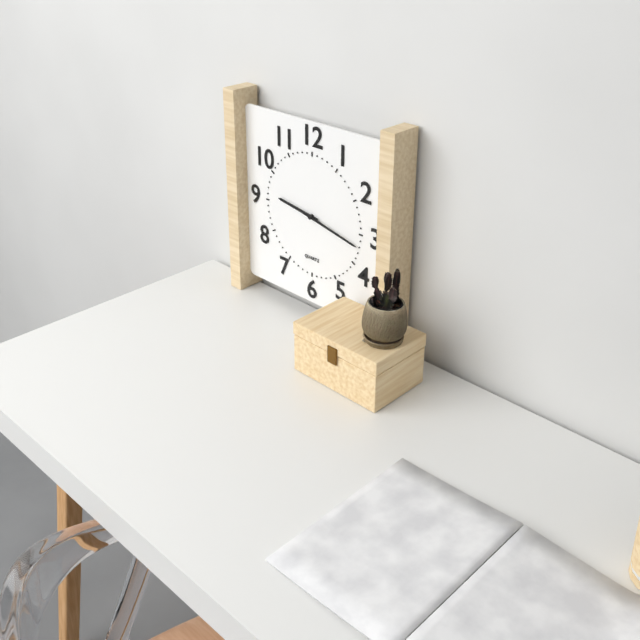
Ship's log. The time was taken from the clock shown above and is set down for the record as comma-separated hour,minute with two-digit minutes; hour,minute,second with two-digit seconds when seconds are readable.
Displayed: 9,17
